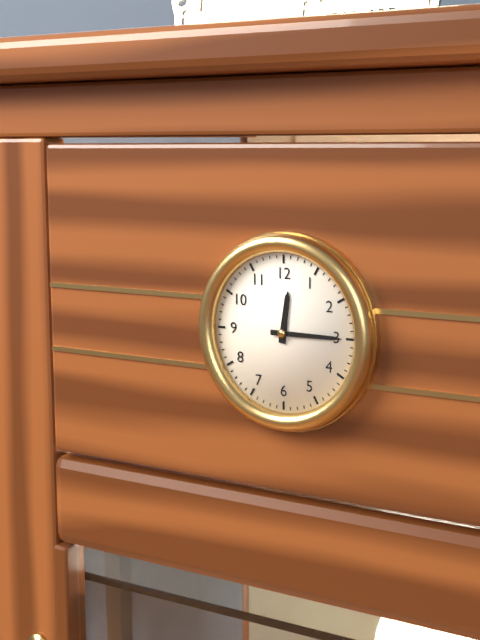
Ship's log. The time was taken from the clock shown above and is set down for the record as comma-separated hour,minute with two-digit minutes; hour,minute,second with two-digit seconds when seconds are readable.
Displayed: 12,15
